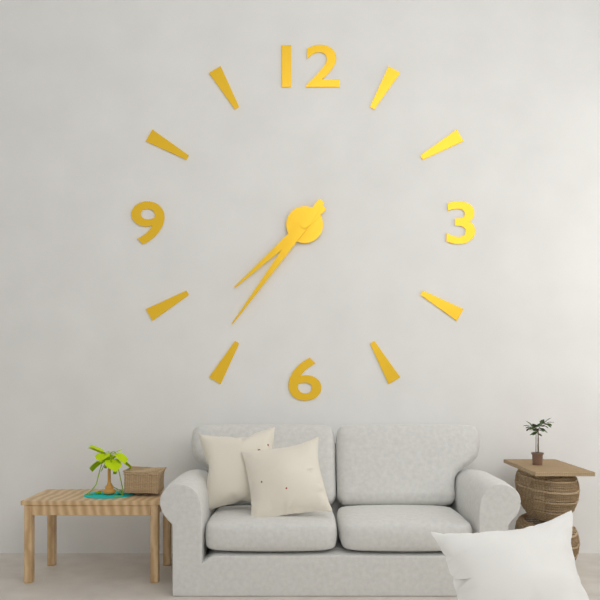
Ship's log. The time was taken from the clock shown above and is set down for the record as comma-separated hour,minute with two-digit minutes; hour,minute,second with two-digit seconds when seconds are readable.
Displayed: 7,36
